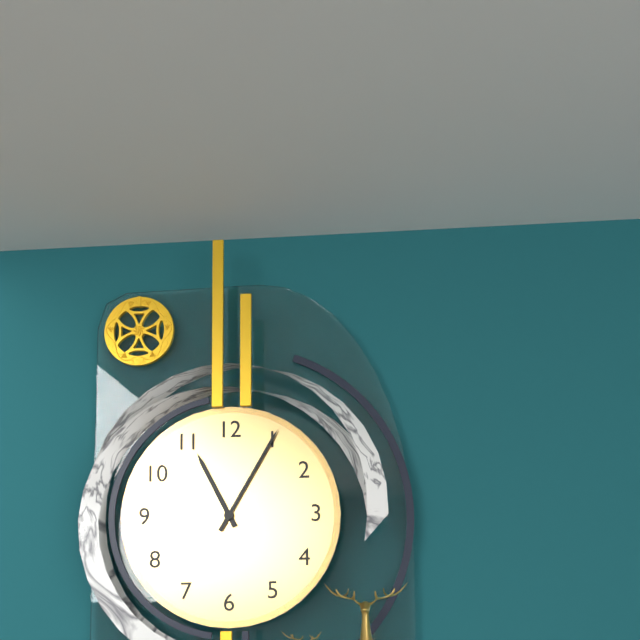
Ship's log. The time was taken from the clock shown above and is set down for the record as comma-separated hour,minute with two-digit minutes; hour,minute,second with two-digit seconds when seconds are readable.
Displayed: 11,05
